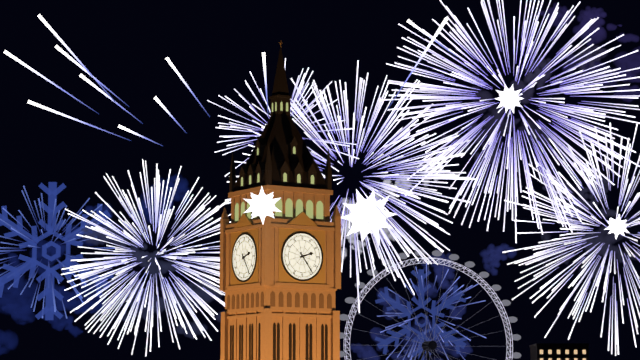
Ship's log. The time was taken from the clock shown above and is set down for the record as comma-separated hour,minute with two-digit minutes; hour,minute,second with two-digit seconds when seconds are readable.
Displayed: 2,24
